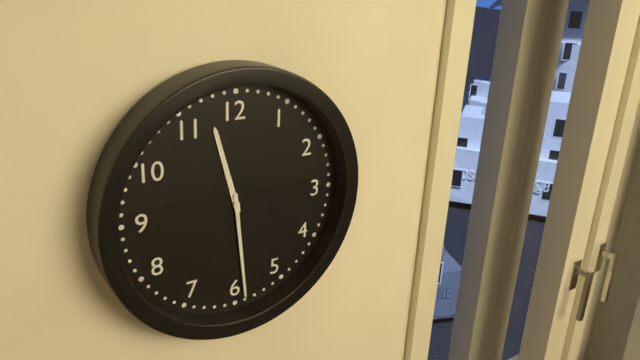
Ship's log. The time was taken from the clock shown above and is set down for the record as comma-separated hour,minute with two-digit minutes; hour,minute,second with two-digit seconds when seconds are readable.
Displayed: 11,29
